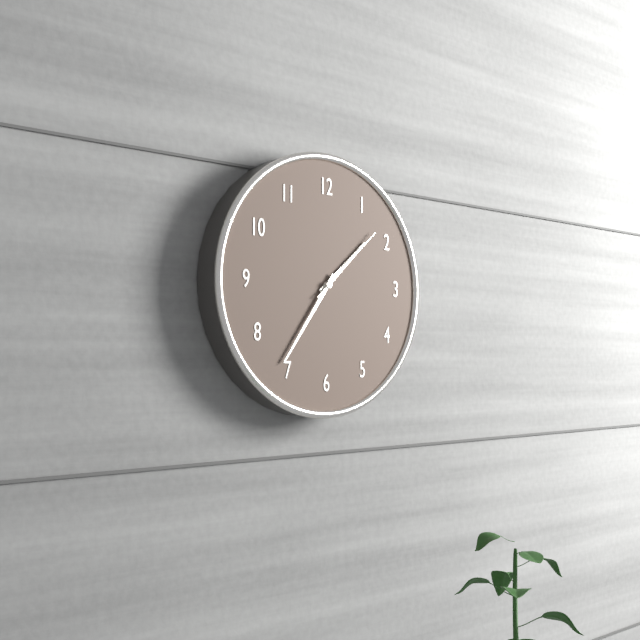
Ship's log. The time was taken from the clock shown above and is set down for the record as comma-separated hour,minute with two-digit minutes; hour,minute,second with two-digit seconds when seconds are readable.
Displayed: 1,36,08
